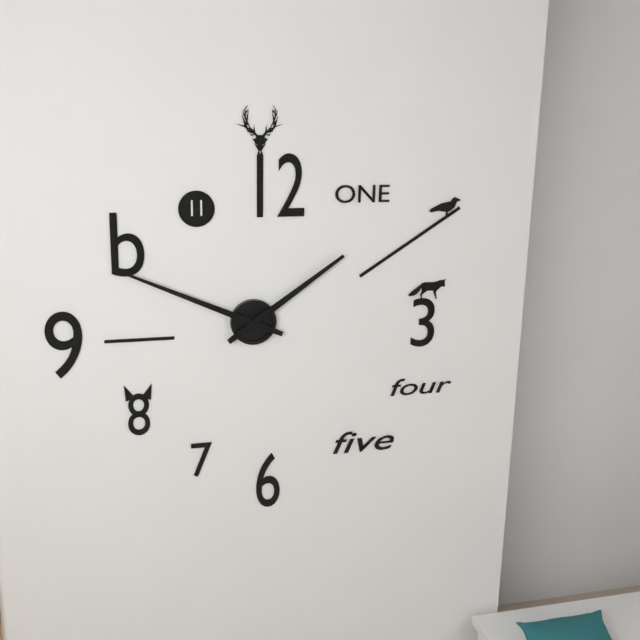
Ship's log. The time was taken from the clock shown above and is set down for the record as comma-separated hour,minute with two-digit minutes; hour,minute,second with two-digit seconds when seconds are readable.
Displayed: 1,49
